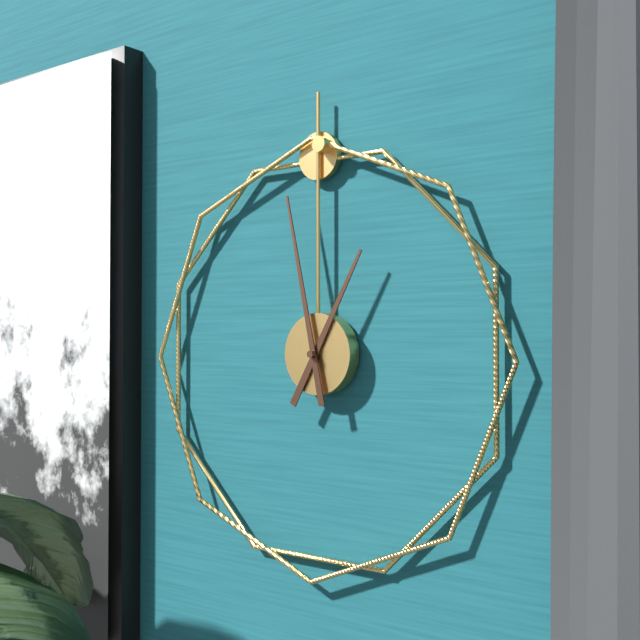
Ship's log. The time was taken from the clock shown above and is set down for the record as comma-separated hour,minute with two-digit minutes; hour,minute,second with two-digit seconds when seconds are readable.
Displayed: 12,58
